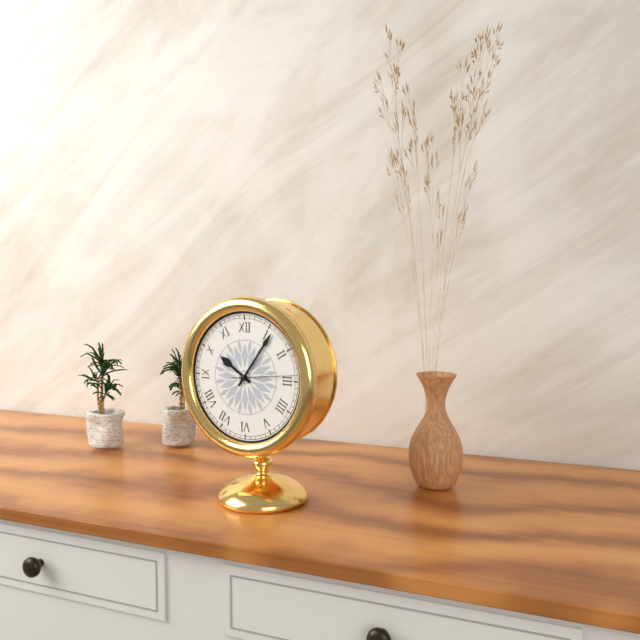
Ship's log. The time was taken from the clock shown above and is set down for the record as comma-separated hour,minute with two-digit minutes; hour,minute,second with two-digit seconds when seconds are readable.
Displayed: 10,06,14
